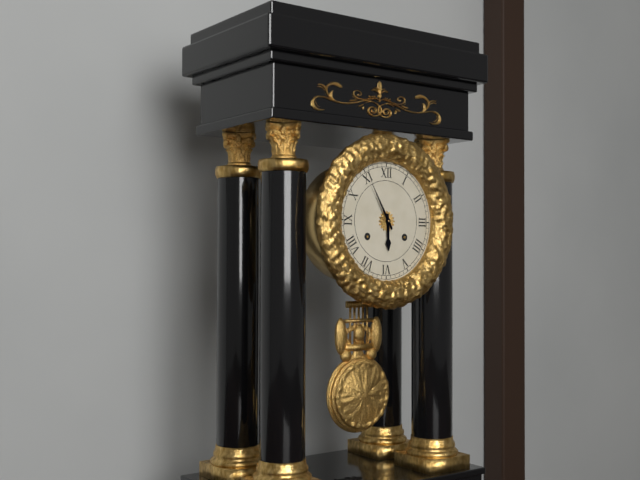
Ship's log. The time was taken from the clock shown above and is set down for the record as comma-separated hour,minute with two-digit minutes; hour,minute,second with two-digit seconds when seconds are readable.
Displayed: 5,55
